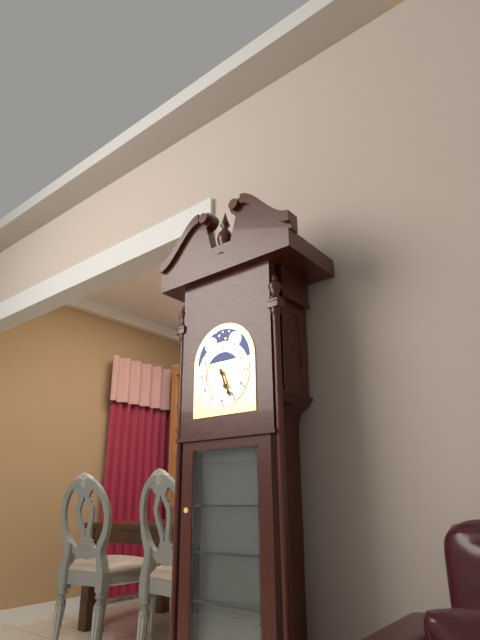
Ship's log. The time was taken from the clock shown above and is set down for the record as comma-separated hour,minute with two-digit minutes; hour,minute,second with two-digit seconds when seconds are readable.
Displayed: 5,26
